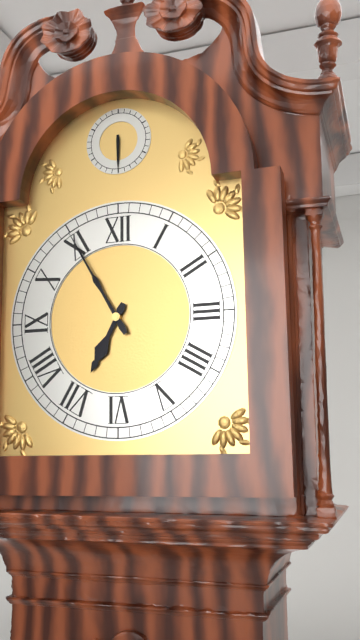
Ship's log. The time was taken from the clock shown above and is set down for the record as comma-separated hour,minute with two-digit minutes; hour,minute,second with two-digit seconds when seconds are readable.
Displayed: 6,55
